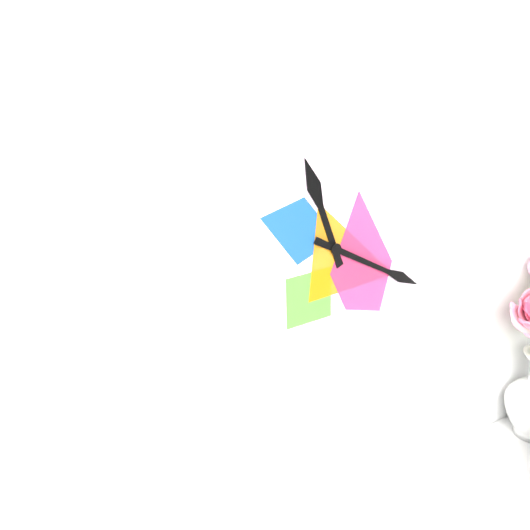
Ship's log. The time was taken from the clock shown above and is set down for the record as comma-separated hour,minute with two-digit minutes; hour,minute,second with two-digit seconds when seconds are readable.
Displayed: 11,20
